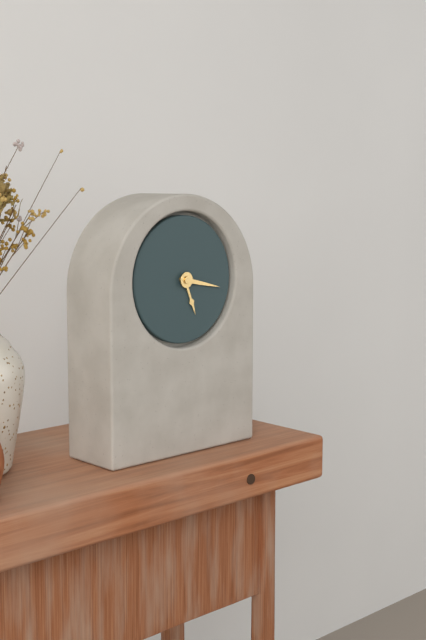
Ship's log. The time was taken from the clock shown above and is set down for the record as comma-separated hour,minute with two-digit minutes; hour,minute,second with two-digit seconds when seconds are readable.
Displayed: 5,17
